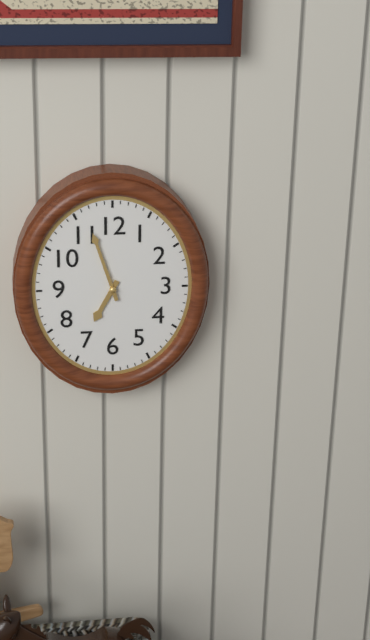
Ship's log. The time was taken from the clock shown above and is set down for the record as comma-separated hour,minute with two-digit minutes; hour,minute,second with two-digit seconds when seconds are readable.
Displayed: 6,57
